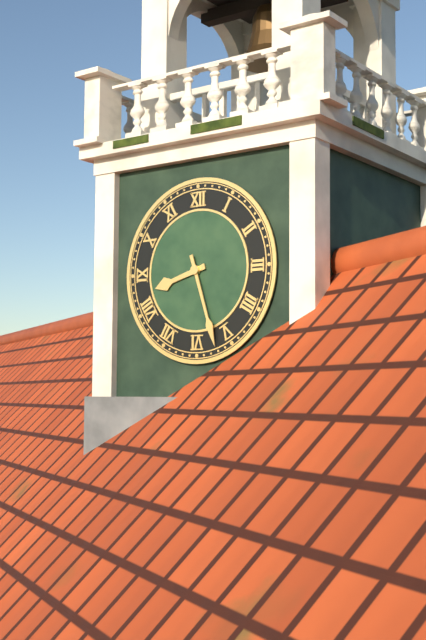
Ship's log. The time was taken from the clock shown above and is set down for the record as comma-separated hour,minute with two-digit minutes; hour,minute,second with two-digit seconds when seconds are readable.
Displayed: 8,27
